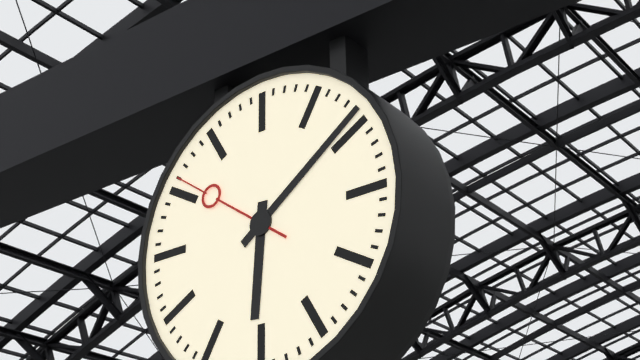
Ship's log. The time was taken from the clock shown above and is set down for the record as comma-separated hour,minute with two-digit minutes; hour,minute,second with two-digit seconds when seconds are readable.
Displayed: 6,09,51
